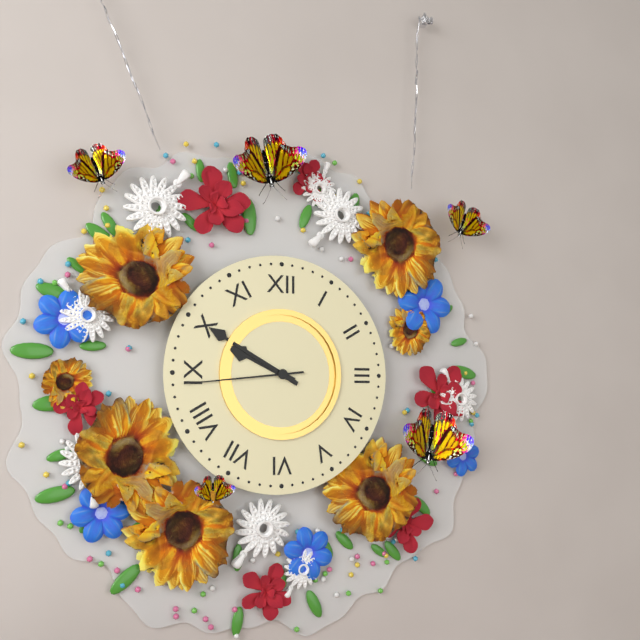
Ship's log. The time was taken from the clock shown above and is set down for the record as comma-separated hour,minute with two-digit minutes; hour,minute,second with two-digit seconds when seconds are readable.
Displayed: 9,50,44
